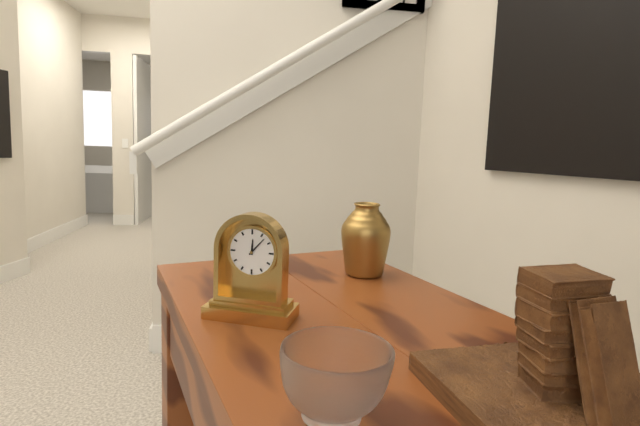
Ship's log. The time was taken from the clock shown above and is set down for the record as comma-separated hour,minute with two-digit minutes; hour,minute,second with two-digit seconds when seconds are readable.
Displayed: 12,07
